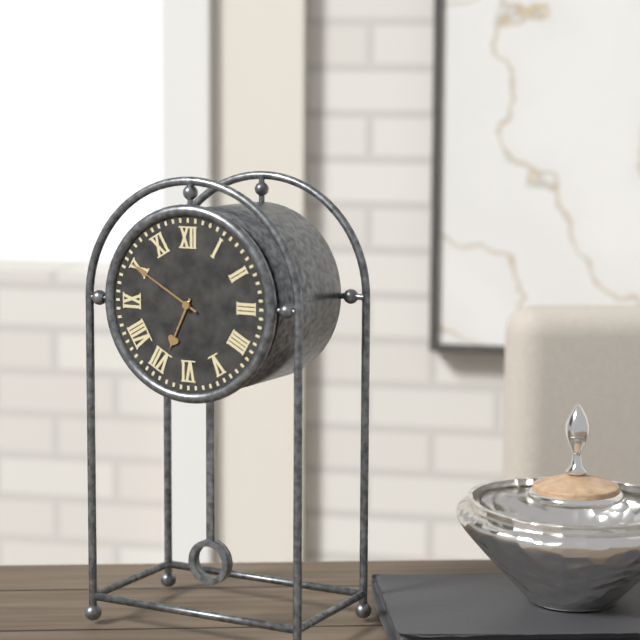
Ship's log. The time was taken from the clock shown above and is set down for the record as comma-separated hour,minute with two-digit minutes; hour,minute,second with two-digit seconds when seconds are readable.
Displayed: 6,50
